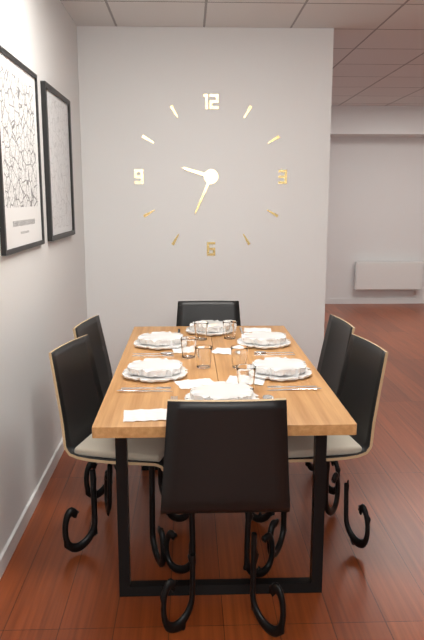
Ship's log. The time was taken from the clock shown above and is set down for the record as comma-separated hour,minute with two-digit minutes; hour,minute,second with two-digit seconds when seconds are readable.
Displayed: 9,34
